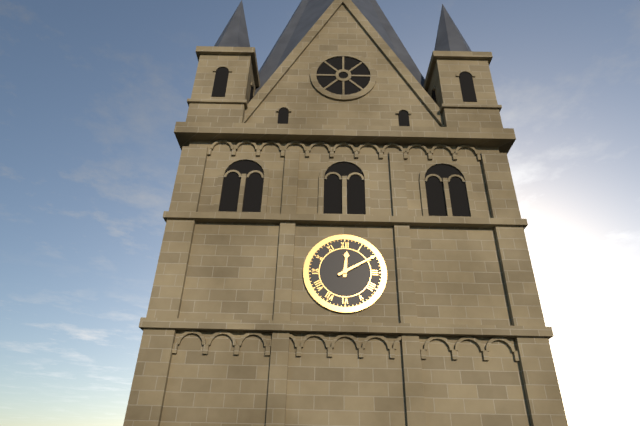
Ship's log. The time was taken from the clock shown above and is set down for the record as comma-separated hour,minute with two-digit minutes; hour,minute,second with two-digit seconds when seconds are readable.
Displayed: 12,10
